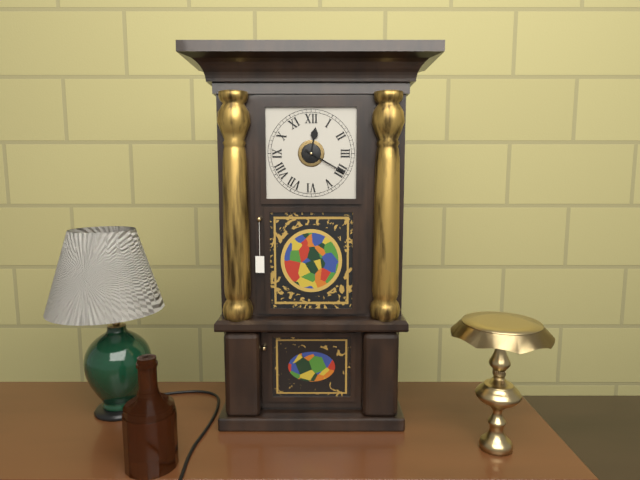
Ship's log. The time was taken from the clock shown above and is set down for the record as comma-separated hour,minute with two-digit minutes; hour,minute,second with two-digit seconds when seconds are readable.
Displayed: 12,20
